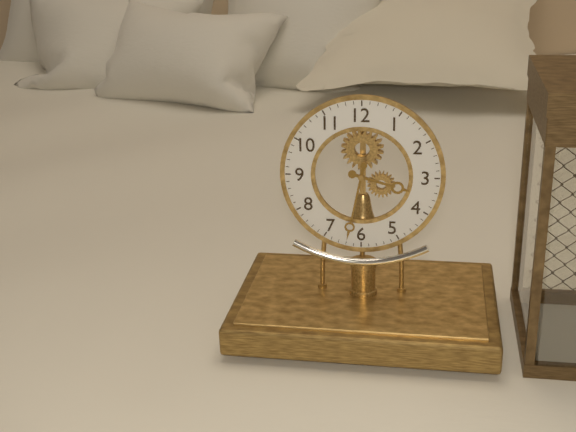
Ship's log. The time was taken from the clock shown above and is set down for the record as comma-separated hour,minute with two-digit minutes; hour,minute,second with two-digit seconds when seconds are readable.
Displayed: 3,32
